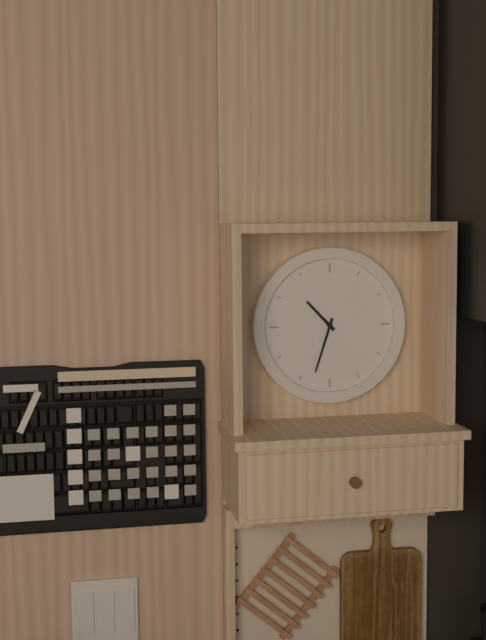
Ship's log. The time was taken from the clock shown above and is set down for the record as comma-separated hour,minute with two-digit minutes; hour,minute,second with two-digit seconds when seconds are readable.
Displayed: 10,33
